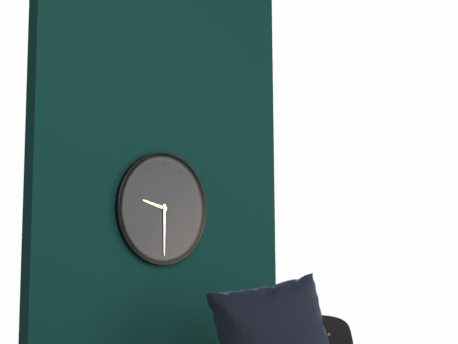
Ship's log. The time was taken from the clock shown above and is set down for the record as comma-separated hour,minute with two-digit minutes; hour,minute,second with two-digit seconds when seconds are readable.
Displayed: 9,30
